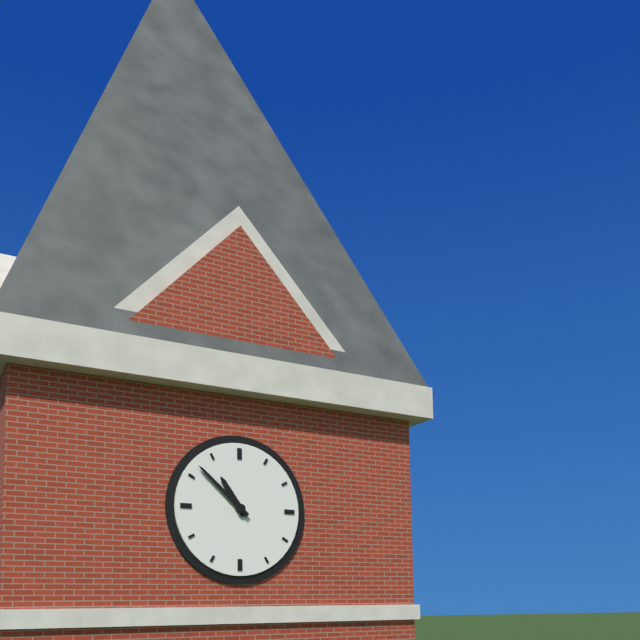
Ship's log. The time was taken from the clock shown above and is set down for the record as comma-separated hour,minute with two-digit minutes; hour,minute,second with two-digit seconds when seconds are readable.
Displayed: 10,52
